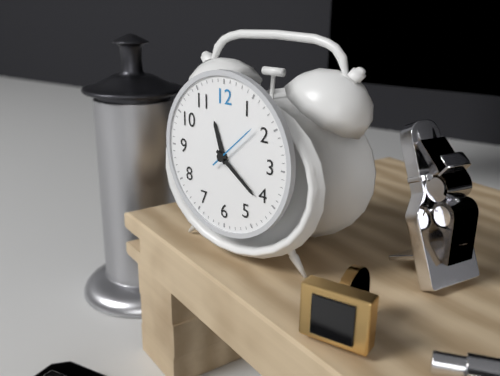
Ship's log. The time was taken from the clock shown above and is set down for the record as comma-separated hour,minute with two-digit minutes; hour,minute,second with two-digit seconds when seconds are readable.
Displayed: 11,21,08
